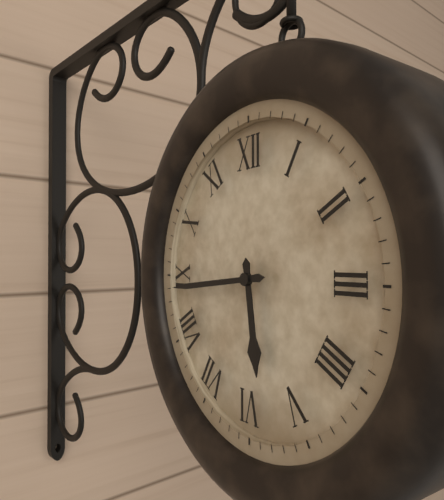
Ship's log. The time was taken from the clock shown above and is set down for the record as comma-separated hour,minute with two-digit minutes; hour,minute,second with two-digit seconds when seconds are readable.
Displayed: 5,44
